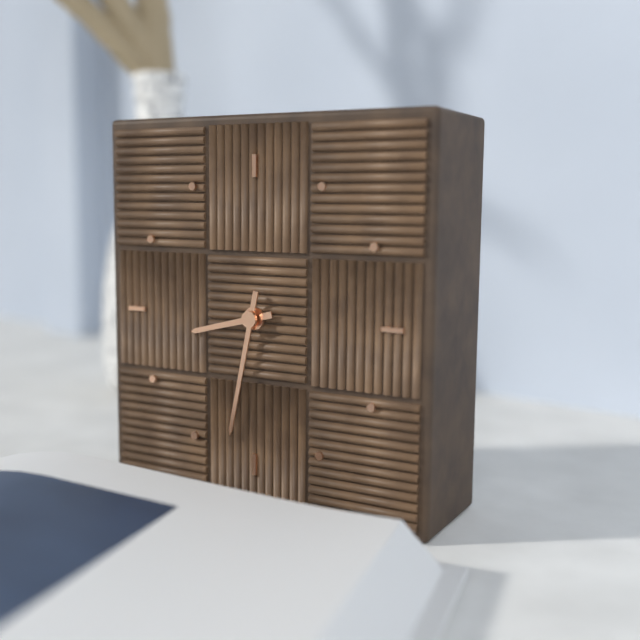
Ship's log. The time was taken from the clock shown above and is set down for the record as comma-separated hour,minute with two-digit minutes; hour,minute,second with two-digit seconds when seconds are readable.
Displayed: 8,32
